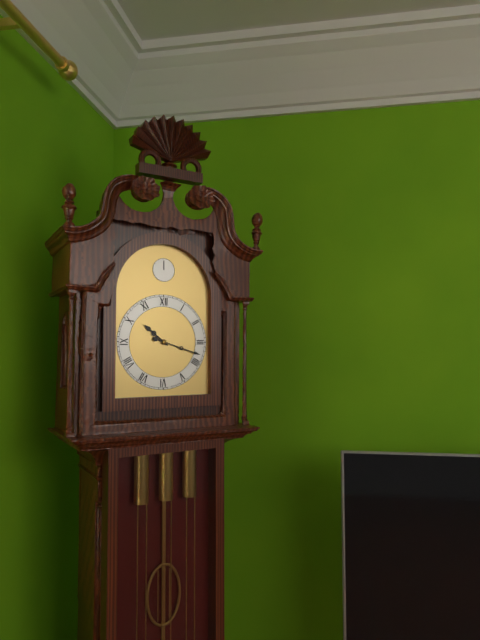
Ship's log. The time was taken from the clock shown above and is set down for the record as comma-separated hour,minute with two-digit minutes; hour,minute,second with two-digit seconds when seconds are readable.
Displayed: 10,18
